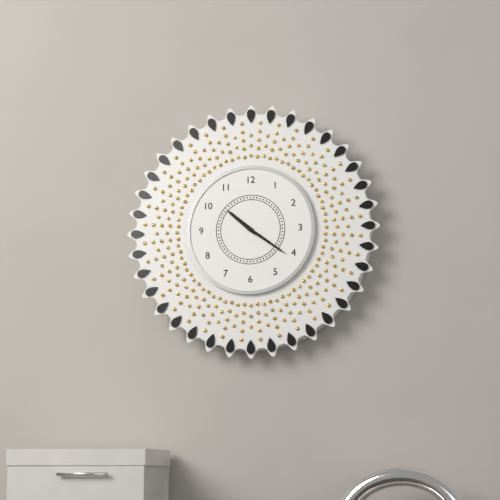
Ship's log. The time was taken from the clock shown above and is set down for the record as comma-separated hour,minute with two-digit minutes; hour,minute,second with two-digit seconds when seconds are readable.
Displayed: 10,21
